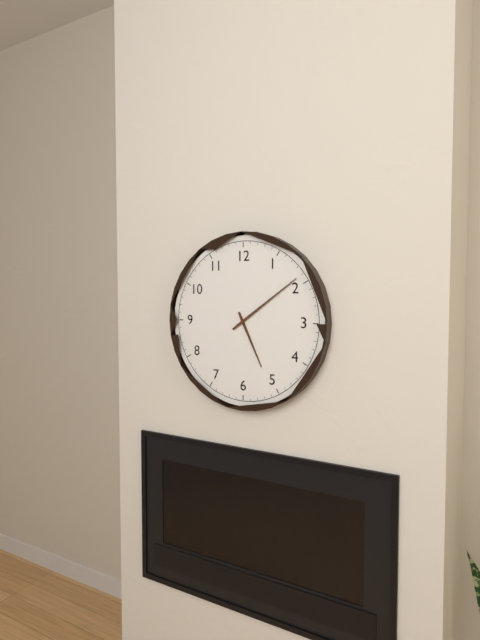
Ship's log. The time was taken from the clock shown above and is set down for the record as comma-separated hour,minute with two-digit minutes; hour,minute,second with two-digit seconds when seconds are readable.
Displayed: 5,09
